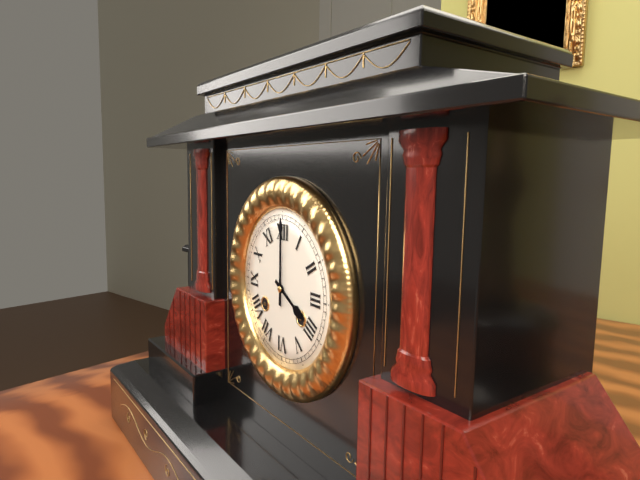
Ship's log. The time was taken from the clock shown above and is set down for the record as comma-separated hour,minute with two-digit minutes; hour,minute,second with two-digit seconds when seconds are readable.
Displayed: 4,00
